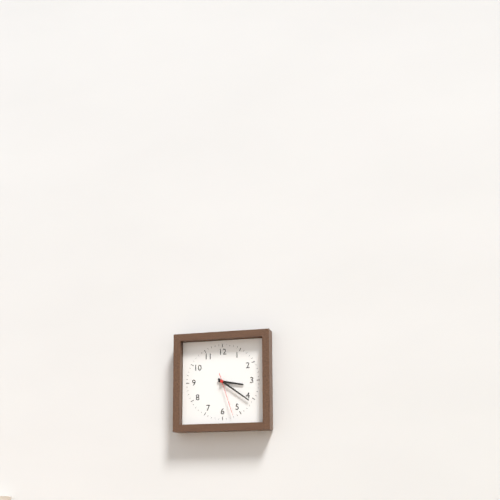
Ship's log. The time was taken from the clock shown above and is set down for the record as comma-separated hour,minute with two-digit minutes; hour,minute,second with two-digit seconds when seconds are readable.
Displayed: 3,21
